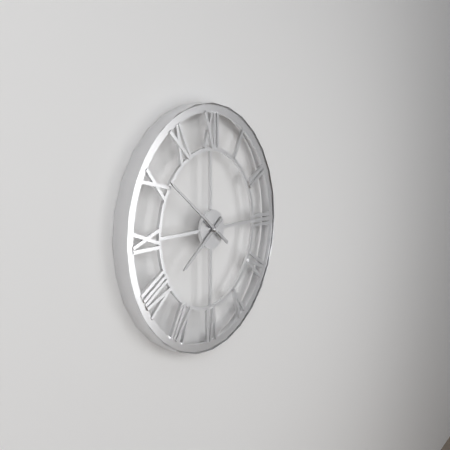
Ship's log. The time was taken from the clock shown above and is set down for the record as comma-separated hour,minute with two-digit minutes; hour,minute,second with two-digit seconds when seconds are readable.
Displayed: 7,51
